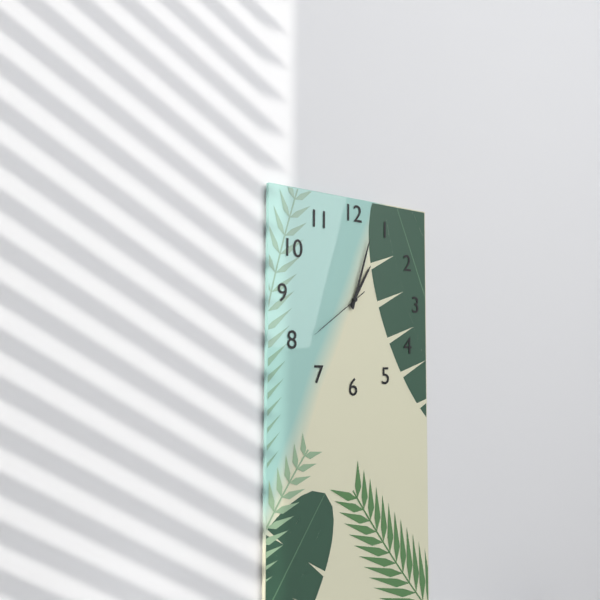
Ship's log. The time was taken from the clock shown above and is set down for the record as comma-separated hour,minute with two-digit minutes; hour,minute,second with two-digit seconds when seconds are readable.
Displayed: 1,03,39
